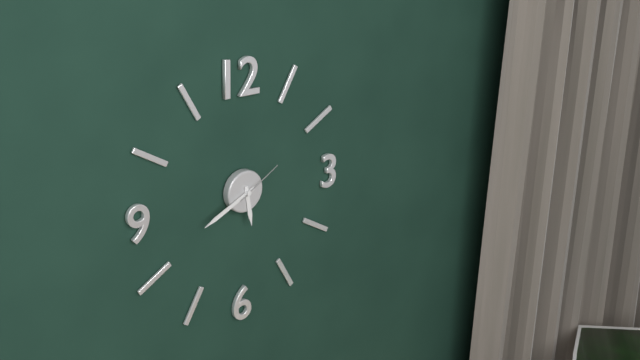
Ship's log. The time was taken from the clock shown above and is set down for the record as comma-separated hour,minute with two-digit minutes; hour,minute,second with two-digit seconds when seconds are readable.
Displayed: 5,41,10
